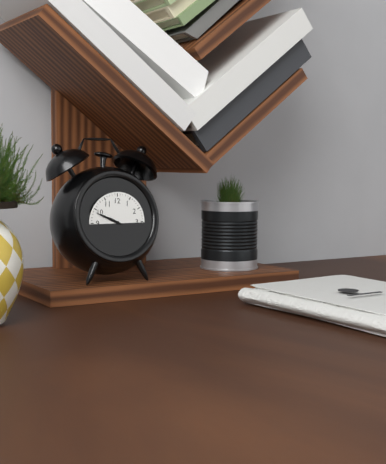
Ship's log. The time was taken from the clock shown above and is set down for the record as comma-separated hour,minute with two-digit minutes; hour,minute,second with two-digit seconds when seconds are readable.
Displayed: 9,49
